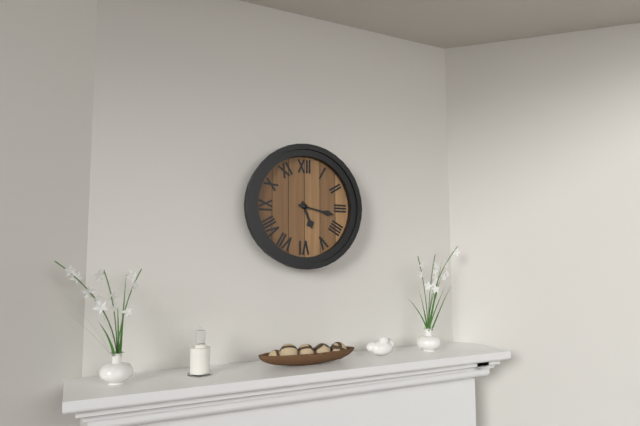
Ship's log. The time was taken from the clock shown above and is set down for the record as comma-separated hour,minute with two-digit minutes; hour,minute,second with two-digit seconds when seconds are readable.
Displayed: 5,17
